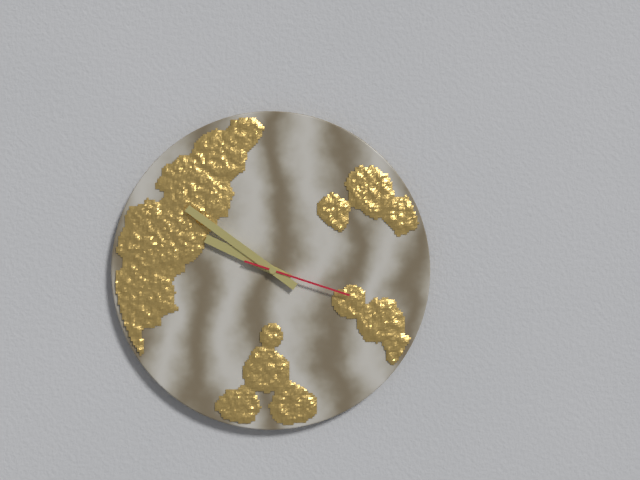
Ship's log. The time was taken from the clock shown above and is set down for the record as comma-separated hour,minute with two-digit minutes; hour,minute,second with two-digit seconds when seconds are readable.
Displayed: 9,51,18
